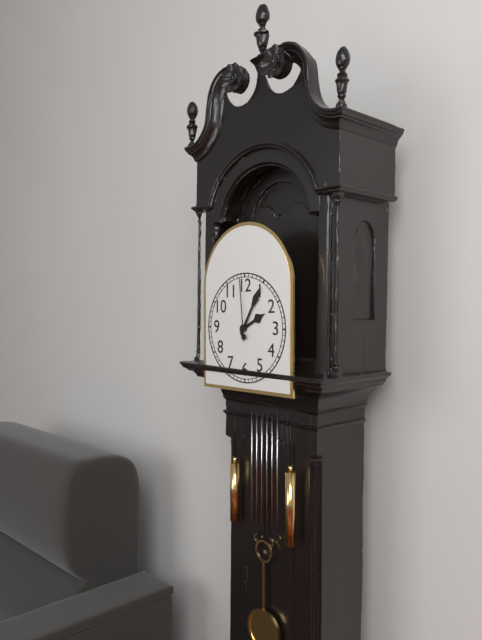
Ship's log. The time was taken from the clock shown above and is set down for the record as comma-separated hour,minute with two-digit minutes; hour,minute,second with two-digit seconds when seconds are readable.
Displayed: 2,05,59
